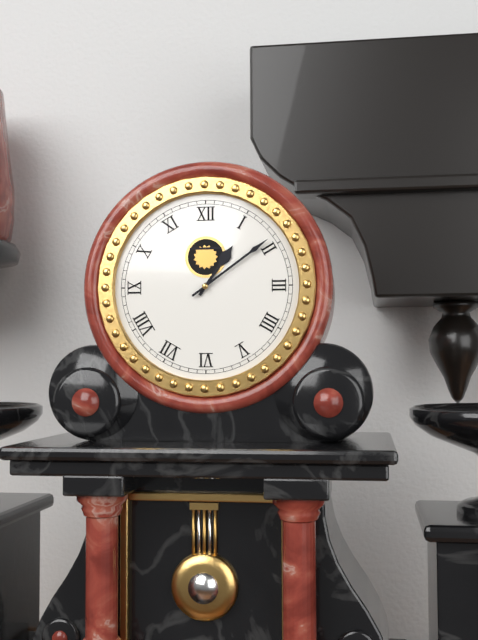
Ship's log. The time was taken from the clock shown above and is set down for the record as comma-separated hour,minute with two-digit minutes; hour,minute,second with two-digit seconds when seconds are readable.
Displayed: 1,09
